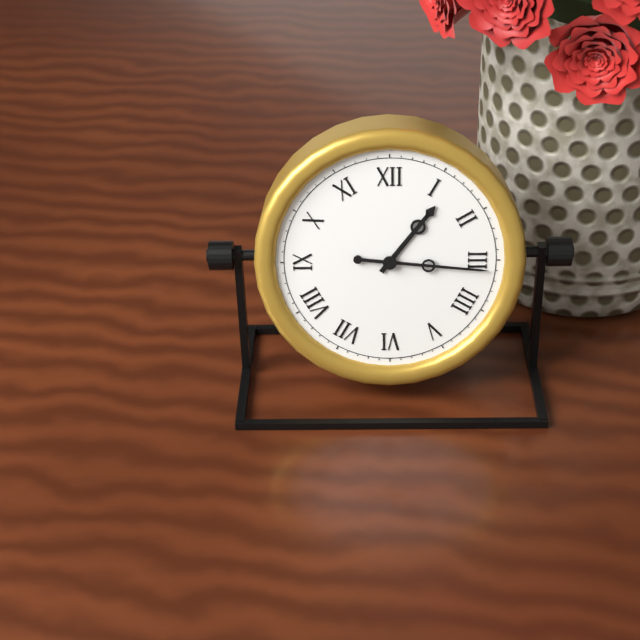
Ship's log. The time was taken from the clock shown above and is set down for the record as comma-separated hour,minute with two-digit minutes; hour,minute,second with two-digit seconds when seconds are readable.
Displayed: 1,16
